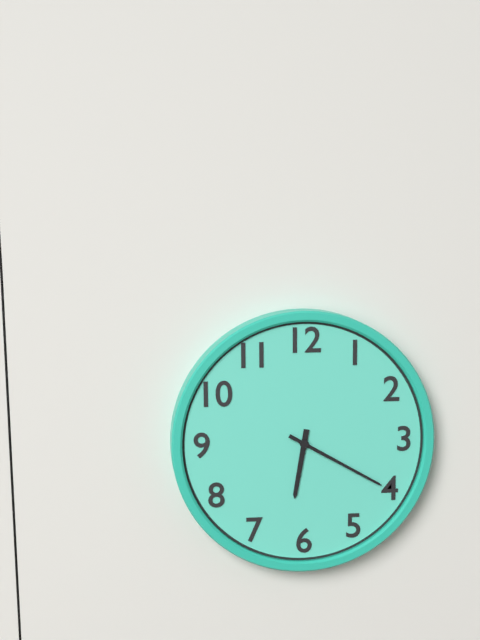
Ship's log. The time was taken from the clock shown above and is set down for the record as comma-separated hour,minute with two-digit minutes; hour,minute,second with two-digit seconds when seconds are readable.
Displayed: 6,20
